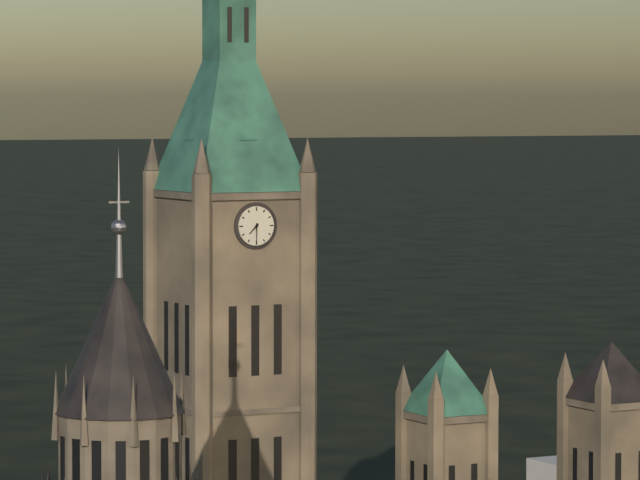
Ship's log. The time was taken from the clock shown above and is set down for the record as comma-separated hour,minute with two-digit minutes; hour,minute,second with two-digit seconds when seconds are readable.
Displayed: 7,30
